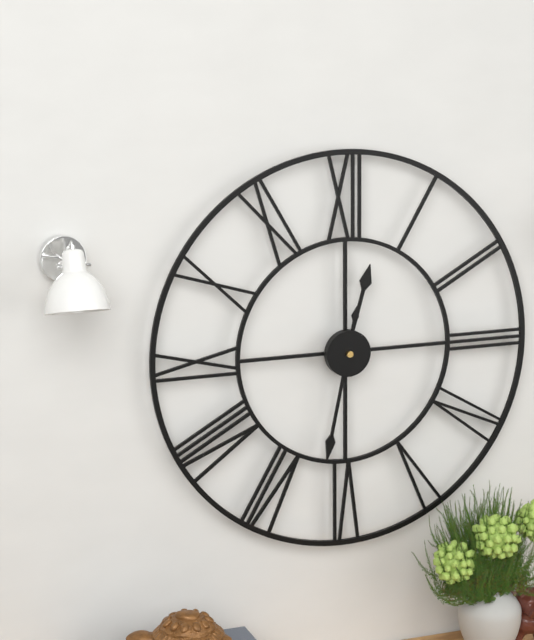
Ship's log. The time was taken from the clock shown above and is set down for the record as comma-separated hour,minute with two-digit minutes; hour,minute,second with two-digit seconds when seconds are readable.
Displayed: 12,32
